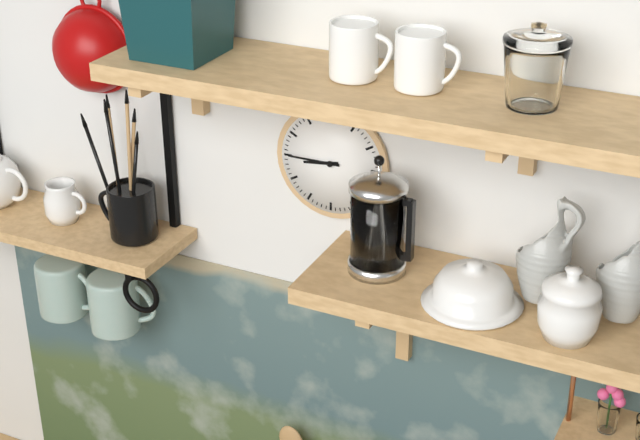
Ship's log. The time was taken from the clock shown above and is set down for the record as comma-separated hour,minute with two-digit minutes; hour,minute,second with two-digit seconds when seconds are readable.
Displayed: 8,45
